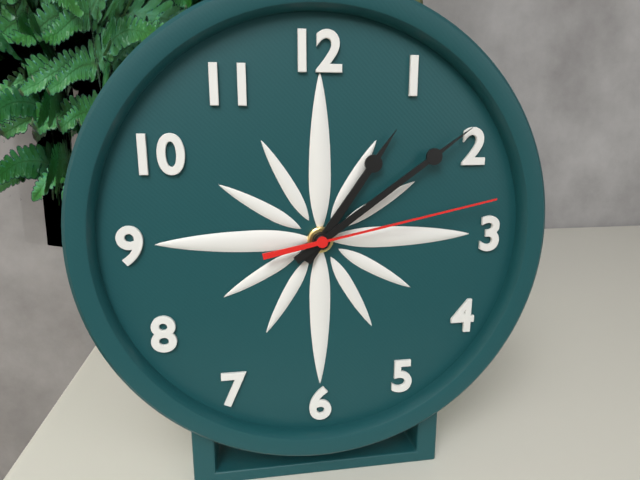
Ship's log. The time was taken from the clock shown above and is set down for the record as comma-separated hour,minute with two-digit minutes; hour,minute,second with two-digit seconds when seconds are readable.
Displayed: 1,09,13
